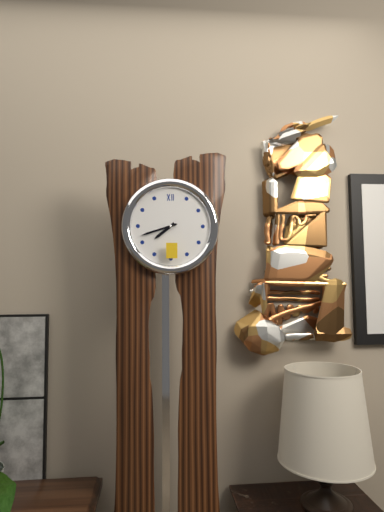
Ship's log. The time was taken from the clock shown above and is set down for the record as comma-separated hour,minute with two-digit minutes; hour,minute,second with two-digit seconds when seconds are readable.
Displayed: 7,42
